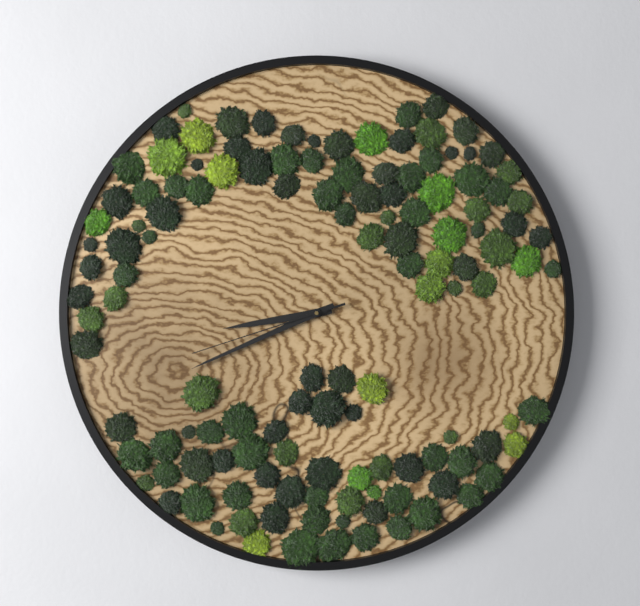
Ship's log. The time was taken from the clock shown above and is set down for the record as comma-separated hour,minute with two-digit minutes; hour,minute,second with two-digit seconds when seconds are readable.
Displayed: 8,41,42
